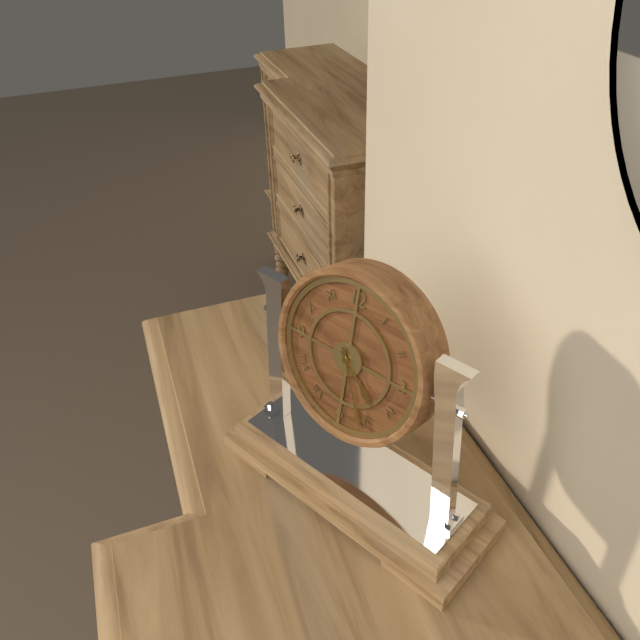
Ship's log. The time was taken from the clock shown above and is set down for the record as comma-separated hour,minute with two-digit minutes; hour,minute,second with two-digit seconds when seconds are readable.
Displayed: 4,26
